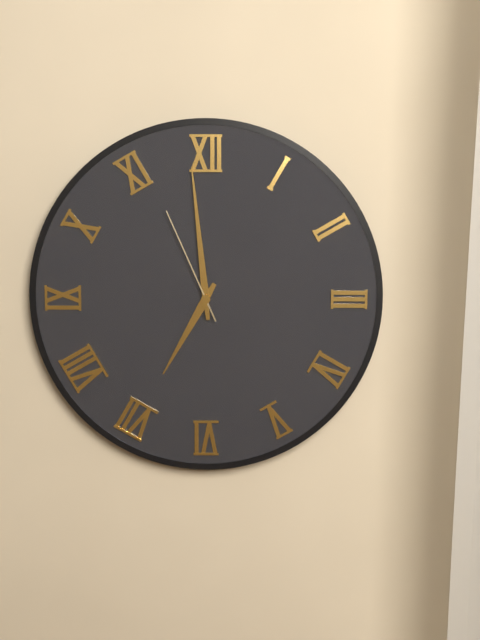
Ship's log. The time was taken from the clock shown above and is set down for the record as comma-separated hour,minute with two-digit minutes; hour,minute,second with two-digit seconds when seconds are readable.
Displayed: 6,59,56
